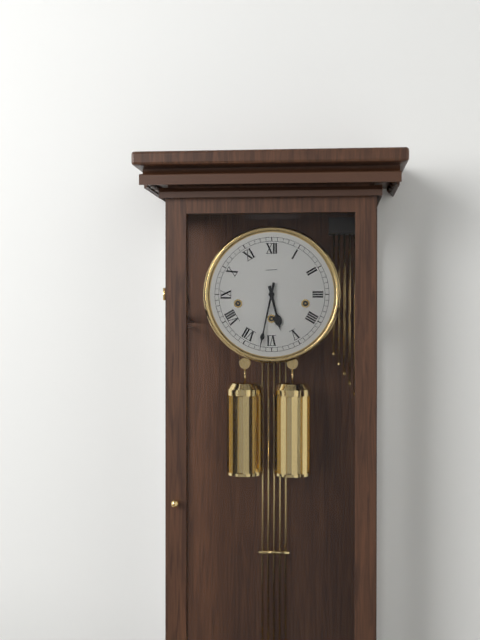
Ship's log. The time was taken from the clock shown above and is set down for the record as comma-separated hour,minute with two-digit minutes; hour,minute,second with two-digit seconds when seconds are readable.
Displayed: 5,32
